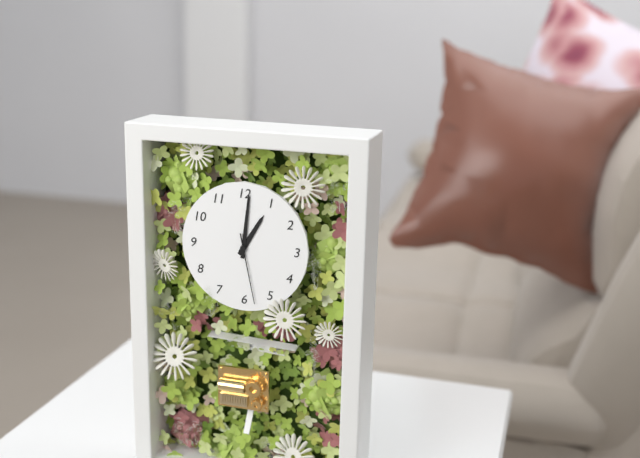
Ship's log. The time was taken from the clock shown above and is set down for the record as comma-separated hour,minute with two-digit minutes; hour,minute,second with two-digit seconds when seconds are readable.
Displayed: 1,01,28
